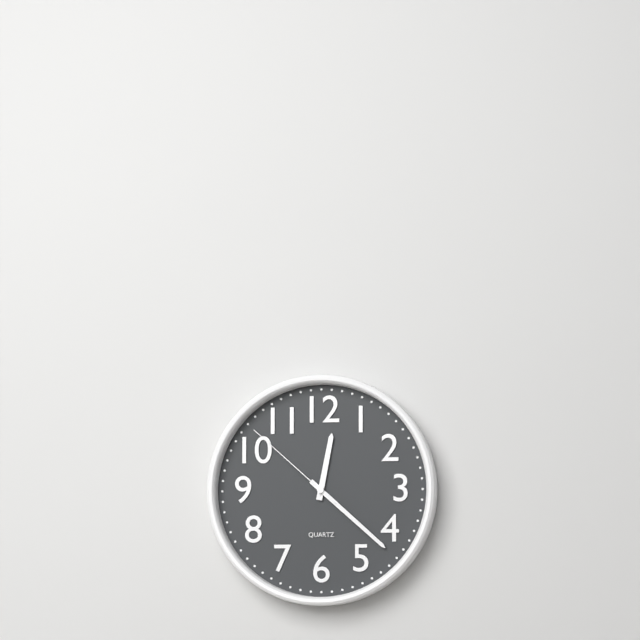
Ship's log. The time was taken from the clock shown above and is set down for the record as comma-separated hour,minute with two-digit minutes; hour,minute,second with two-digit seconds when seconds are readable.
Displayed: 12,22,52
